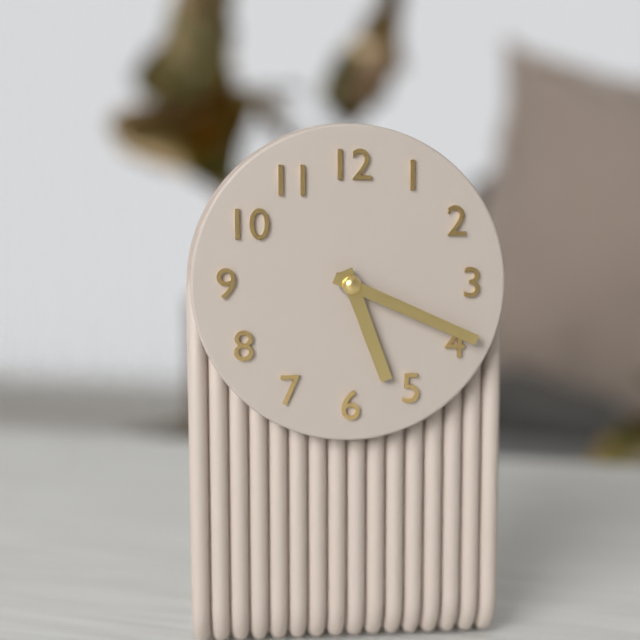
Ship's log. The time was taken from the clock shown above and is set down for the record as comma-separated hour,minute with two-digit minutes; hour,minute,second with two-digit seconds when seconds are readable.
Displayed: 5,19
